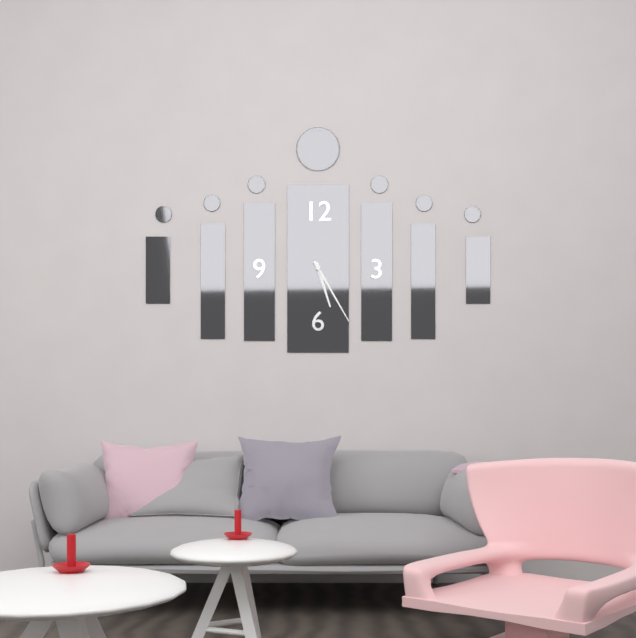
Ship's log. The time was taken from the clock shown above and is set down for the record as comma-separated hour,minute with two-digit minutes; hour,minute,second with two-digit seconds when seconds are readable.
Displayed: 5,25
